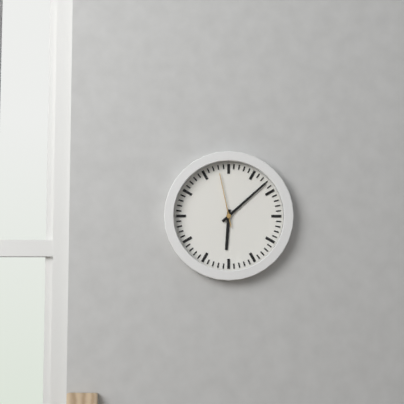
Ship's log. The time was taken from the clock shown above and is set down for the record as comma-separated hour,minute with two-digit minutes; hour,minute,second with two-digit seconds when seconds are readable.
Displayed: 6,08,58
